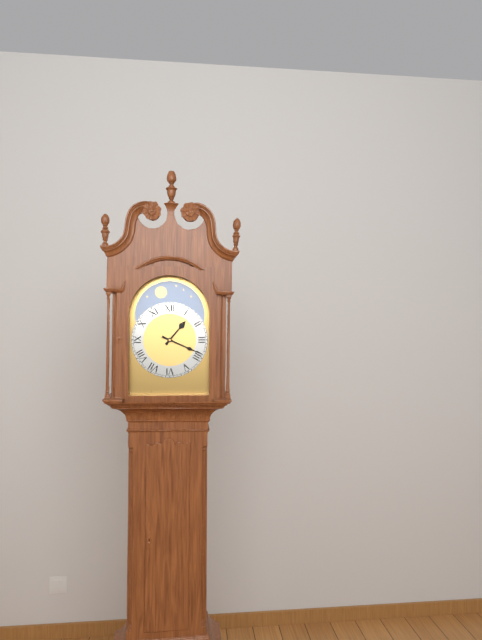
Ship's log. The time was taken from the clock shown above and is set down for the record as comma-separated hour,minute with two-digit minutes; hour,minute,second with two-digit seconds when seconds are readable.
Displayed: 1,19
